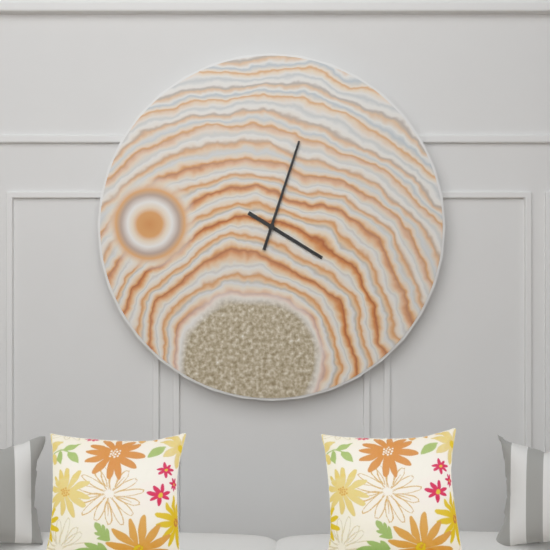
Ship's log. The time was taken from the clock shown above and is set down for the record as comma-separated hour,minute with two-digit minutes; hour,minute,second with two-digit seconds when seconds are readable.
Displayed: 4,03
